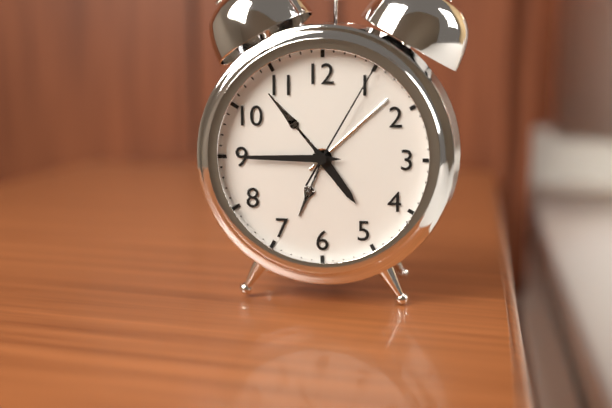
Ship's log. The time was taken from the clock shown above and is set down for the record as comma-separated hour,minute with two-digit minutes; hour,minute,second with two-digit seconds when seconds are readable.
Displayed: 4,45,05
